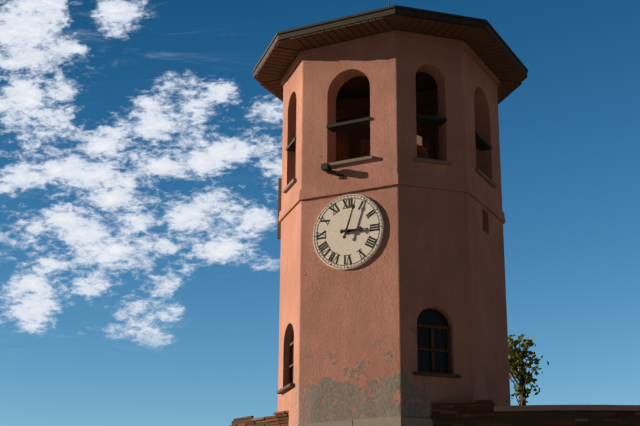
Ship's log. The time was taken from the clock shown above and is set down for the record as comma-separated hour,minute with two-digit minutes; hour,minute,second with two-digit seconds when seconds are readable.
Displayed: 3,03
